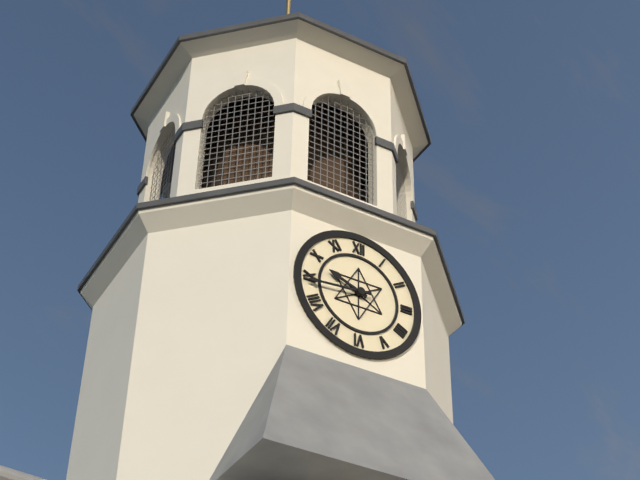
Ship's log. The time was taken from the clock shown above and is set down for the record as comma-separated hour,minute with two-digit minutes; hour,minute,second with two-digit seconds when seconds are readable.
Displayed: 9,44
